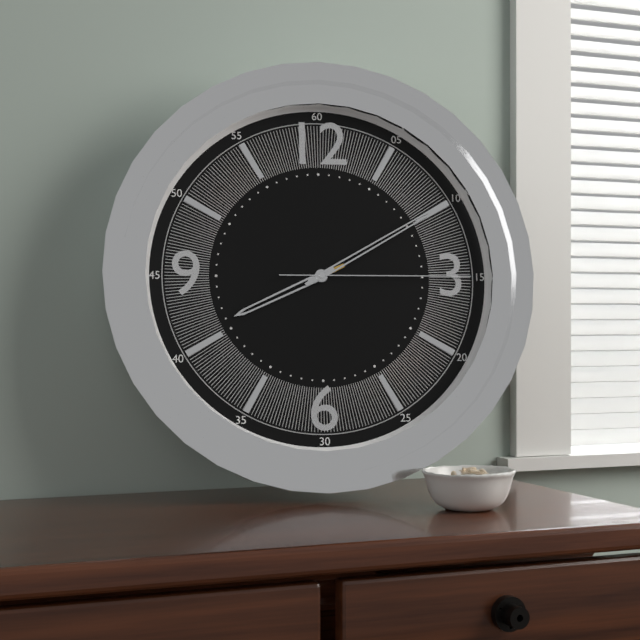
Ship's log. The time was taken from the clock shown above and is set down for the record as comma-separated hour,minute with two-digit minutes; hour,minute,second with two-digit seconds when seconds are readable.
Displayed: 8,10,15
